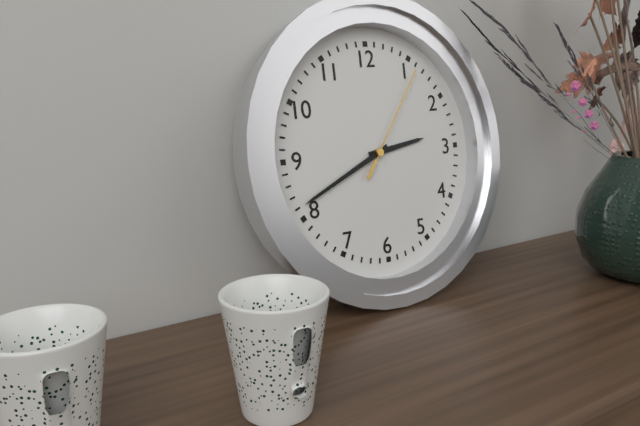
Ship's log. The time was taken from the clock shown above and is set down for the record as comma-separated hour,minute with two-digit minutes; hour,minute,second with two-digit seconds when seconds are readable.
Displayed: 2,41,06
